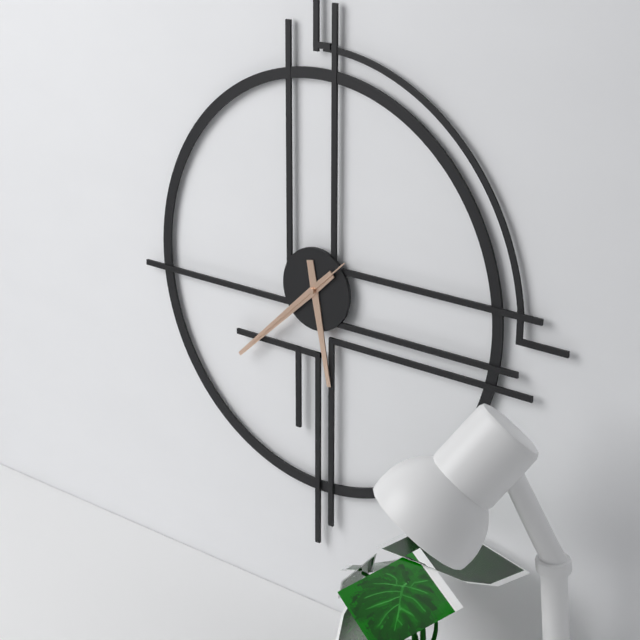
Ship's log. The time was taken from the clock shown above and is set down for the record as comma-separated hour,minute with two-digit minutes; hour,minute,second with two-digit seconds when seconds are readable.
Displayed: 5,38,38
